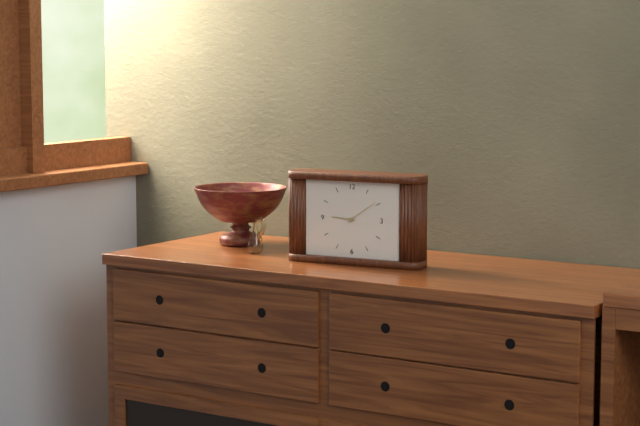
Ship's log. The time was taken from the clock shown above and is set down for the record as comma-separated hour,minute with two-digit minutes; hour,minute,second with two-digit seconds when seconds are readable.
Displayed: 9,09
